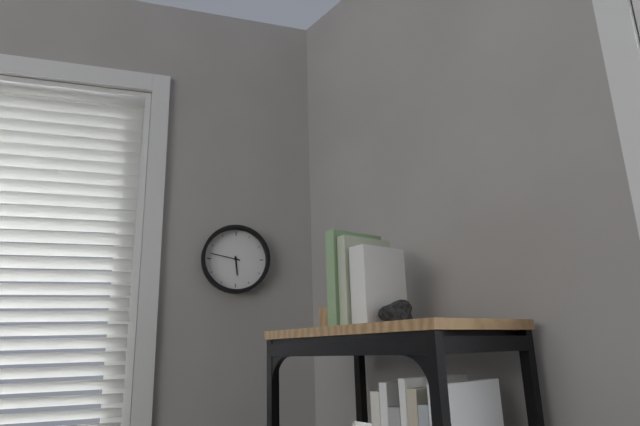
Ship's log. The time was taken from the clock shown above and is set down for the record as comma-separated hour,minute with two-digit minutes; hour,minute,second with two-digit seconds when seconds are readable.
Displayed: 5,47
